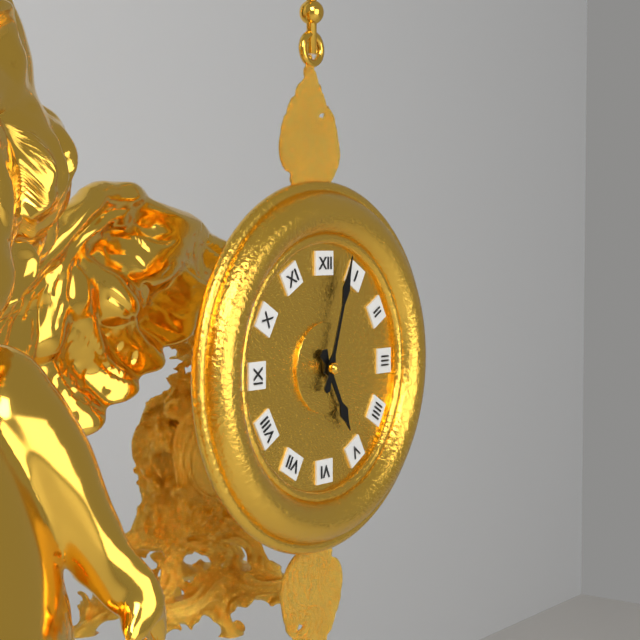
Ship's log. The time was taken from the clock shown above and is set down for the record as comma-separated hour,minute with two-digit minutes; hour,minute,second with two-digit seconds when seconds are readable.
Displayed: 5,03
